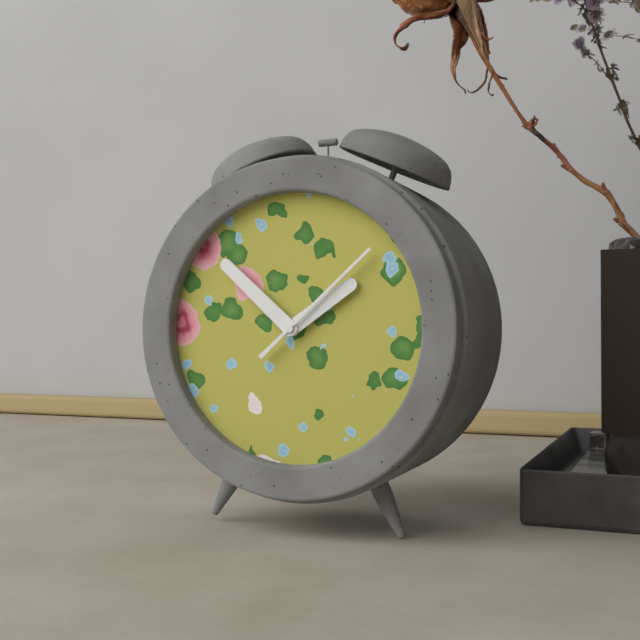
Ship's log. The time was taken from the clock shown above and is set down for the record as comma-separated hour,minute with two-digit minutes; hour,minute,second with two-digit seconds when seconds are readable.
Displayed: 1,52,08
